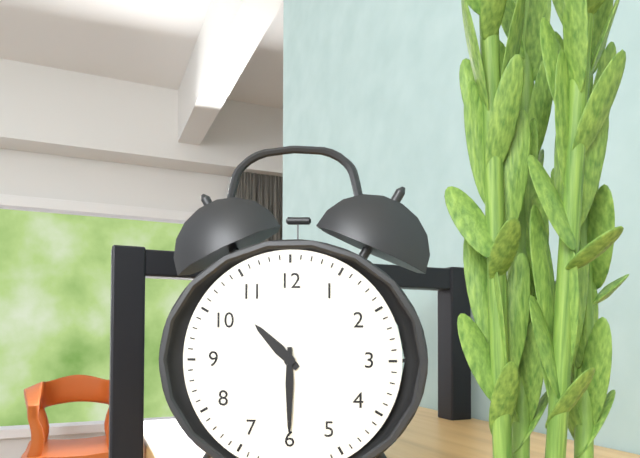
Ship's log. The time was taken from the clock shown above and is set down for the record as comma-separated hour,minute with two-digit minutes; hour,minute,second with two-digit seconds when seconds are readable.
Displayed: 10,30
